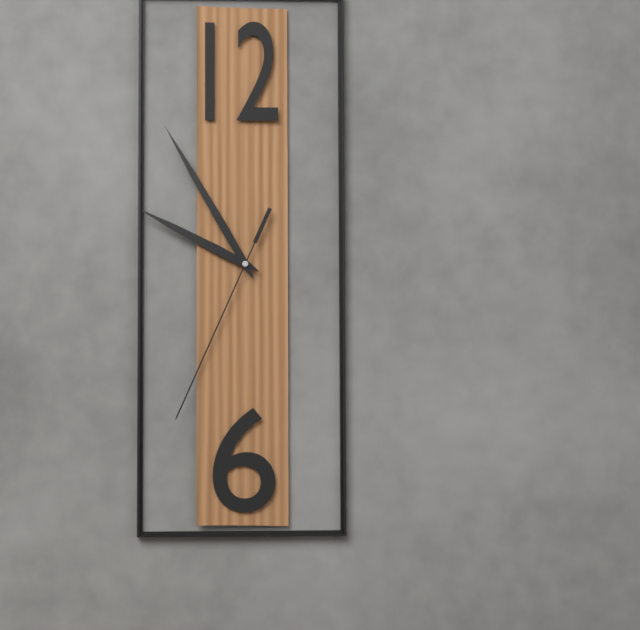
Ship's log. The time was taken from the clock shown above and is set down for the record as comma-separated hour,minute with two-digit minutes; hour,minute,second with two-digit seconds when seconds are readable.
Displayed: 9,55,34
